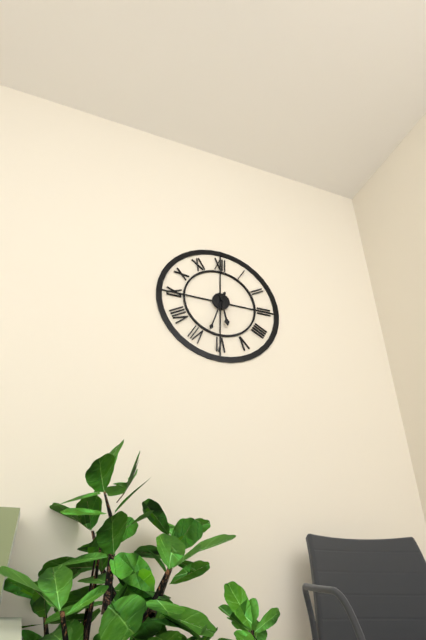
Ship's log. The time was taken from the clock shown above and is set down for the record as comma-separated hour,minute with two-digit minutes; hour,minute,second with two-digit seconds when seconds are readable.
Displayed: 5,33
